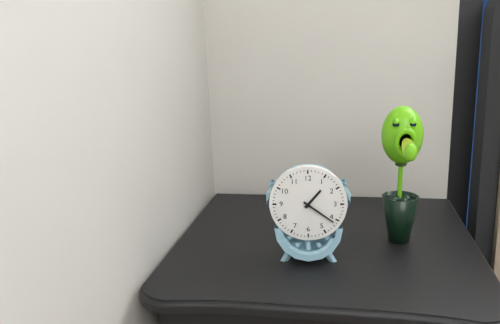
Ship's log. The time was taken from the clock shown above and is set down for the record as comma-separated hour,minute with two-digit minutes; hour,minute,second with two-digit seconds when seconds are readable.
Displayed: 1,21
